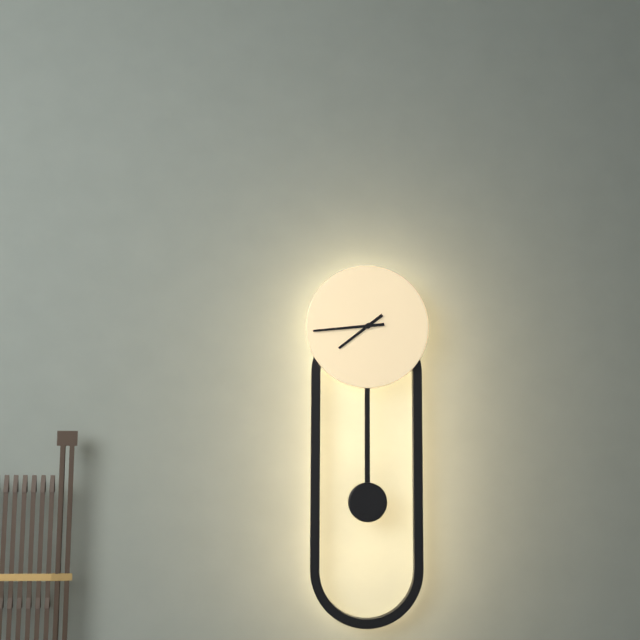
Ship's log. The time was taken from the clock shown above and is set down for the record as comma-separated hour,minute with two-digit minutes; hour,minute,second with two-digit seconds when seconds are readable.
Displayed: 7,44
